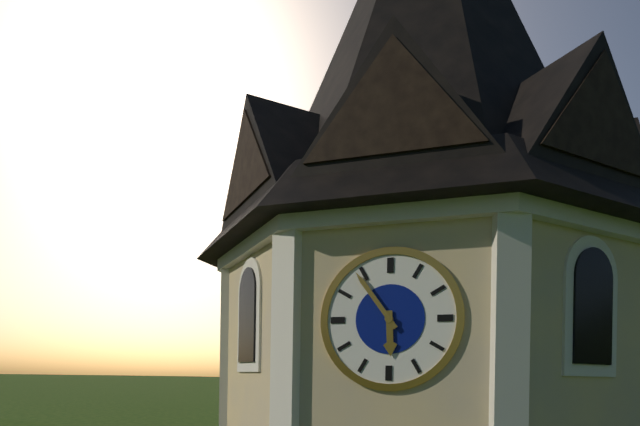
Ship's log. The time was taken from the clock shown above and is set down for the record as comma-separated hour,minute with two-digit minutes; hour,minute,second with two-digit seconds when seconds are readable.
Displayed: 5,54
